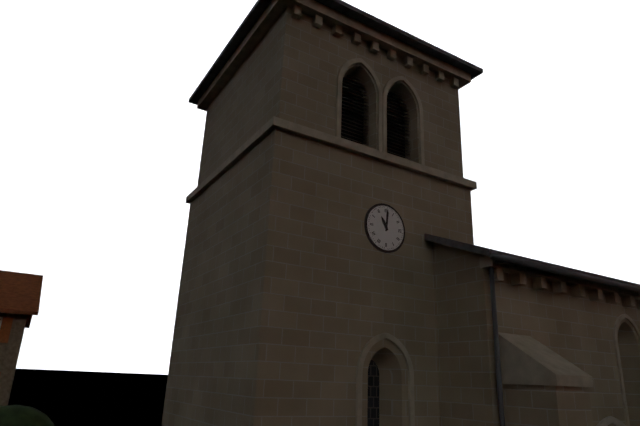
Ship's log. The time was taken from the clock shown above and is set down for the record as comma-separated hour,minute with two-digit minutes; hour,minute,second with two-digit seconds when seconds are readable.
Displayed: 11,01
